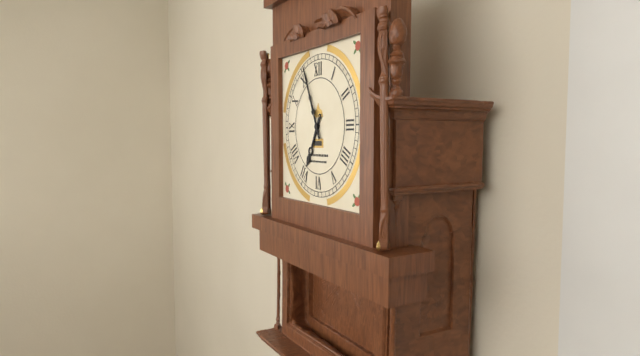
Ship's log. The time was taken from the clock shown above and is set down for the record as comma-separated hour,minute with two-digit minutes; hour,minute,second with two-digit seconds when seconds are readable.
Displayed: 6,56
